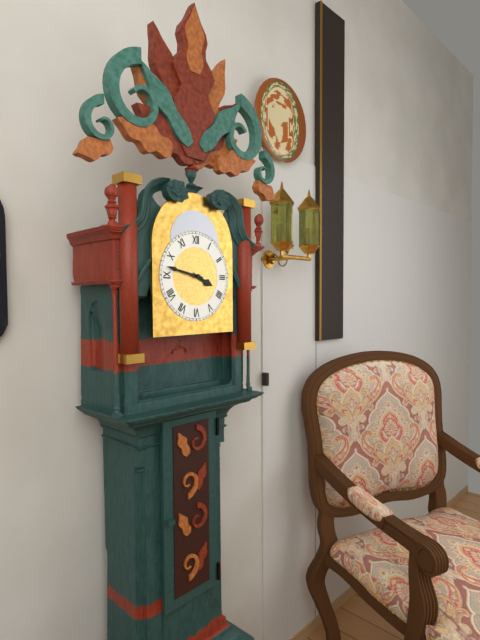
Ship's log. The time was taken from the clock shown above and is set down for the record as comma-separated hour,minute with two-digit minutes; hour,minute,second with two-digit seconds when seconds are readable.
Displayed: 3,47
